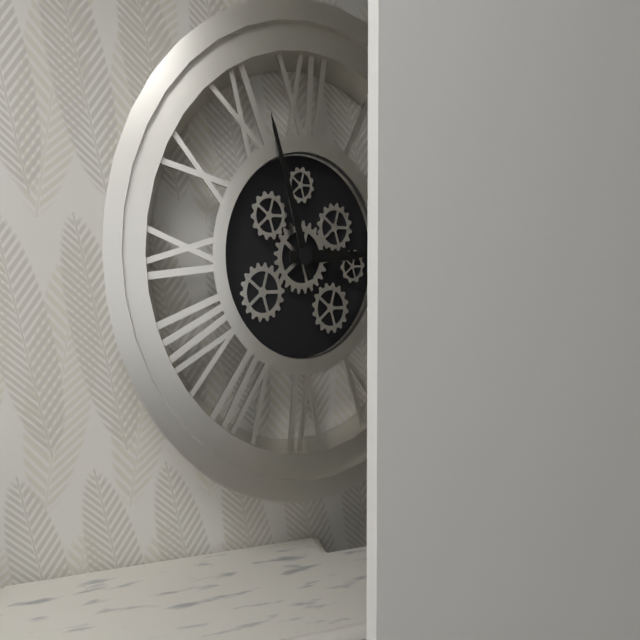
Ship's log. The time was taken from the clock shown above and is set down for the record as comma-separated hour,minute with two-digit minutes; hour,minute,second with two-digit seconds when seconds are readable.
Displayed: 2,57
